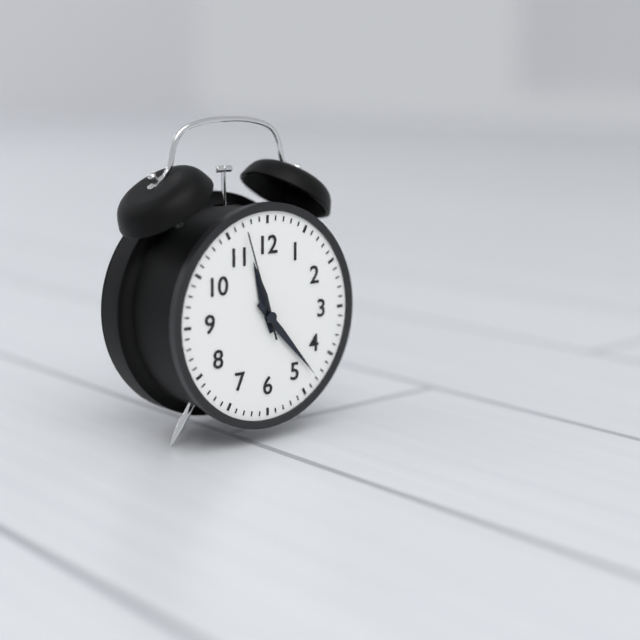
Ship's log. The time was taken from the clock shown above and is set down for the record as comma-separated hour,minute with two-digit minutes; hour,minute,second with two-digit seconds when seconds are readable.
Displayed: 11,23,57
